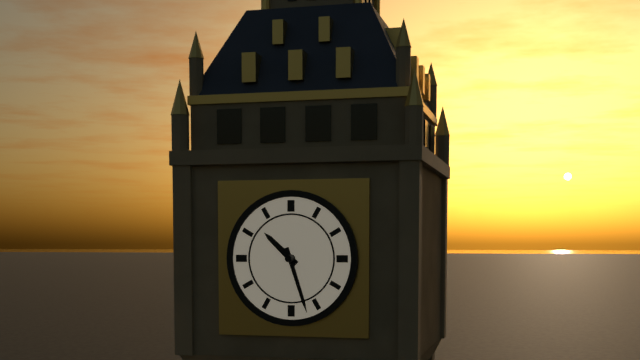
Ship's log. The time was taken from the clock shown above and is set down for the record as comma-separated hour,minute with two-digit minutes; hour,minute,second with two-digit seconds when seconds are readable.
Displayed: 10,27
